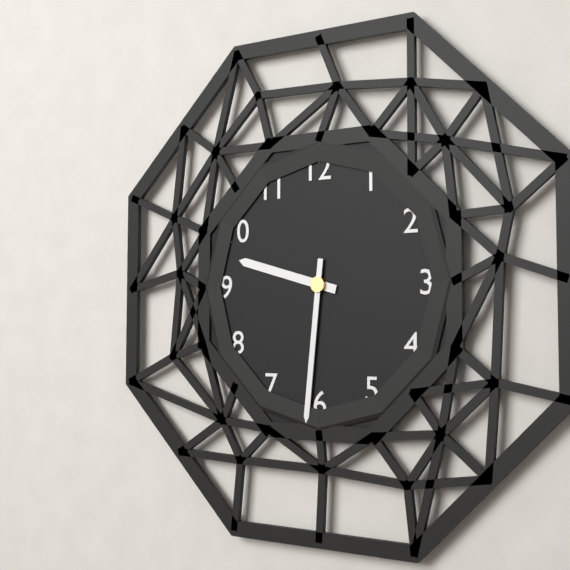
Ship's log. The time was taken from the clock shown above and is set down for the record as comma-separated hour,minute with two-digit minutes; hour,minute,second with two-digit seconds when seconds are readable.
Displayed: 9,31
